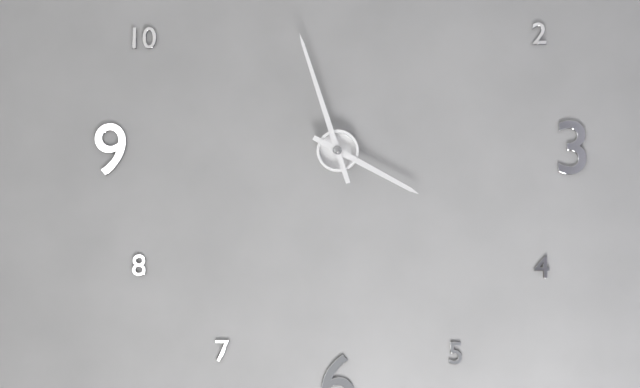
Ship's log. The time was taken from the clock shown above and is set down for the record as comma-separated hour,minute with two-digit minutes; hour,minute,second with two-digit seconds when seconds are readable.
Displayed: 3,57
